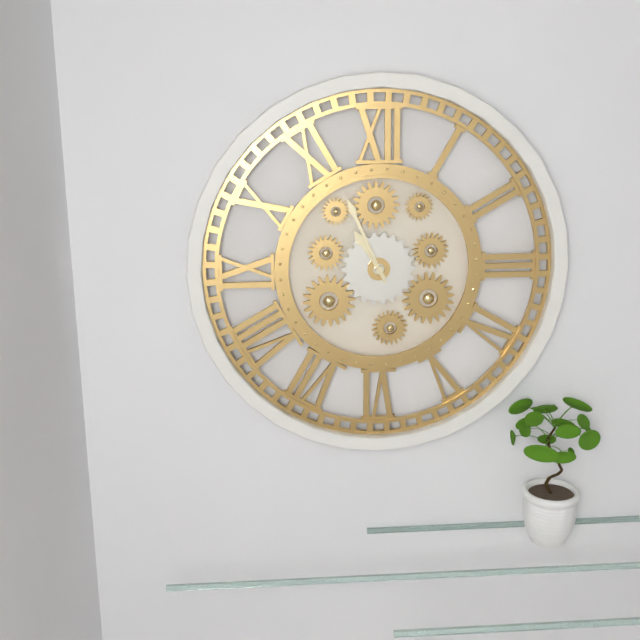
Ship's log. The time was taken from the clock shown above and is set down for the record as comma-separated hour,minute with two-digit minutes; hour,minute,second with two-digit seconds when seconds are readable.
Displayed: 10,56
